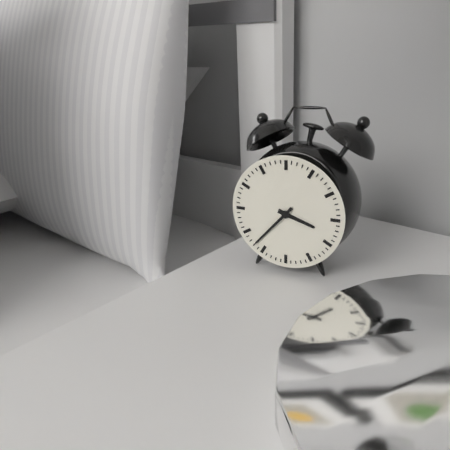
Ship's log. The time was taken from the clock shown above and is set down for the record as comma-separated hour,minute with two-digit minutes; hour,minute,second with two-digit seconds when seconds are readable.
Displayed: 3,37
